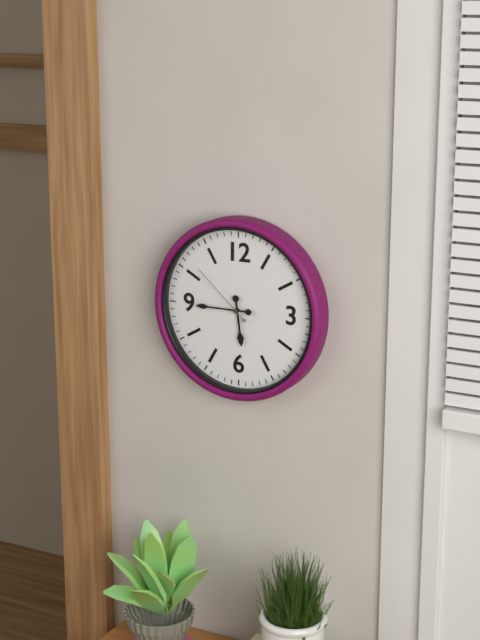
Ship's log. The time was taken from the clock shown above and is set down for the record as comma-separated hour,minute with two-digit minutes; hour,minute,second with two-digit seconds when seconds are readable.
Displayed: 5,45,52
